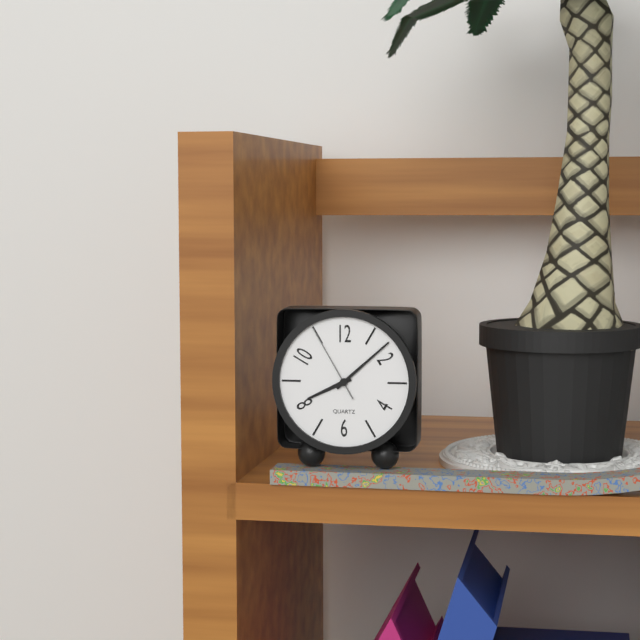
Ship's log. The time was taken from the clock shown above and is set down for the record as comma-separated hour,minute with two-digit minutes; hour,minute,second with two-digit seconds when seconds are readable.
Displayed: 8,08,55
